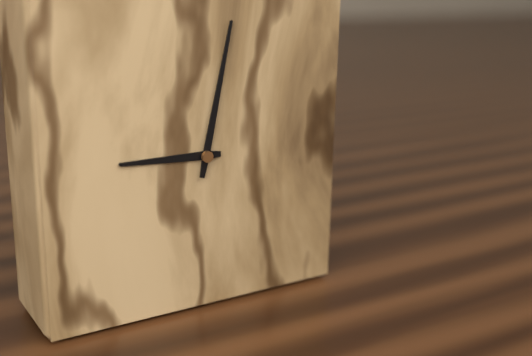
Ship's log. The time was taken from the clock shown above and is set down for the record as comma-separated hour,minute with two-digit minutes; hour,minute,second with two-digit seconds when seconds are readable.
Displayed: 9,02
